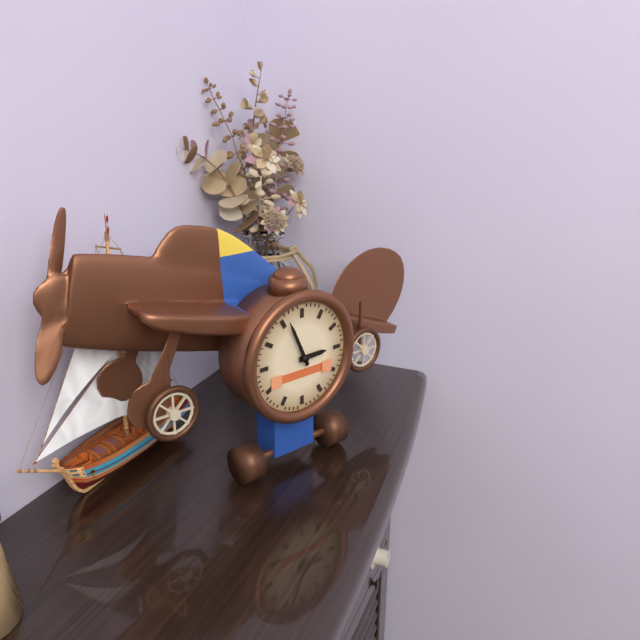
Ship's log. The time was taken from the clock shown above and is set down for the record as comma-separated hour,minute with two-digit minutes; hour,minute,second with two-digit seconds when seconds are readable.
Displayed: 2,56
